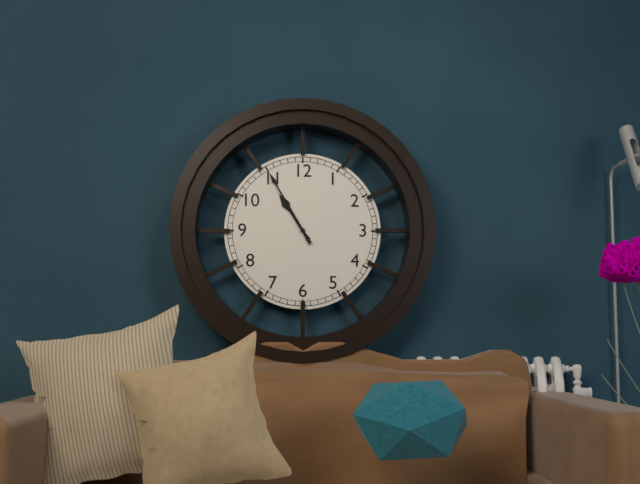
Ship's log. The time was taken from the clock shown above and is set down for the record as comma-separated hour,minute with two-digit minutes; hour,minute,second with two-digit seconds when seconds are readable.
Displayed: 10,55
